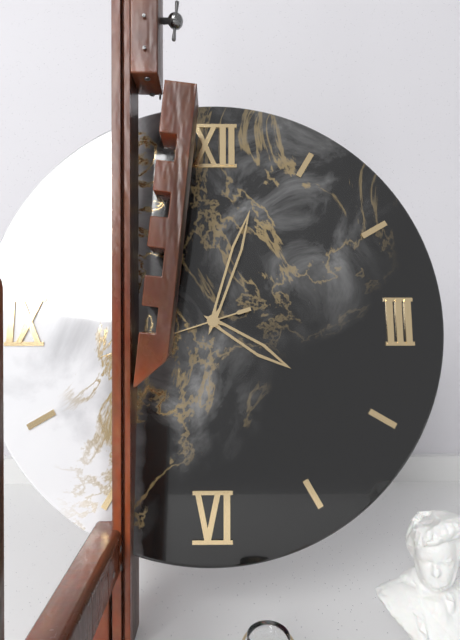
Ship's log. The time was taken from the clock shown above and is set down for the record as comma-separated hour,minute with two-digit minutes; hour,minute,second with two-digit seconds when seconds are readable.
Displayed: 4,03
